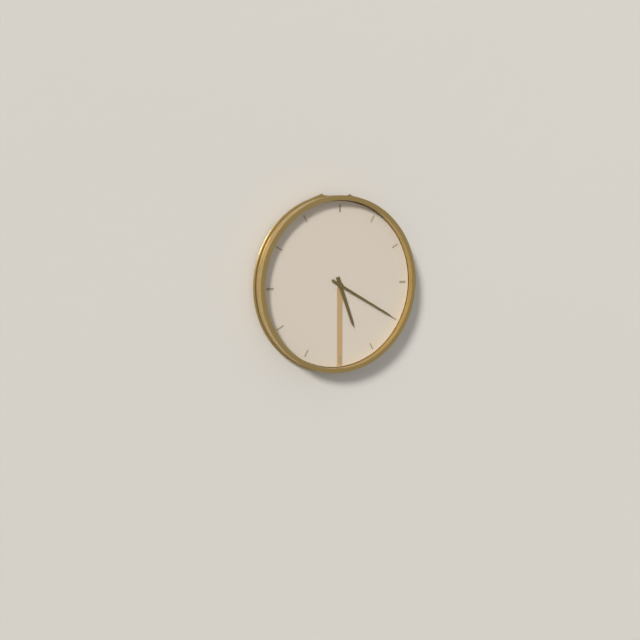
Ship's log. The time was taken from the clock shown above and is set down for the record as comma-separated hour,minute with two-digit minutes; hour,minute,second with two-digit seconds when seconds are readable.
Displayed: 5,20
